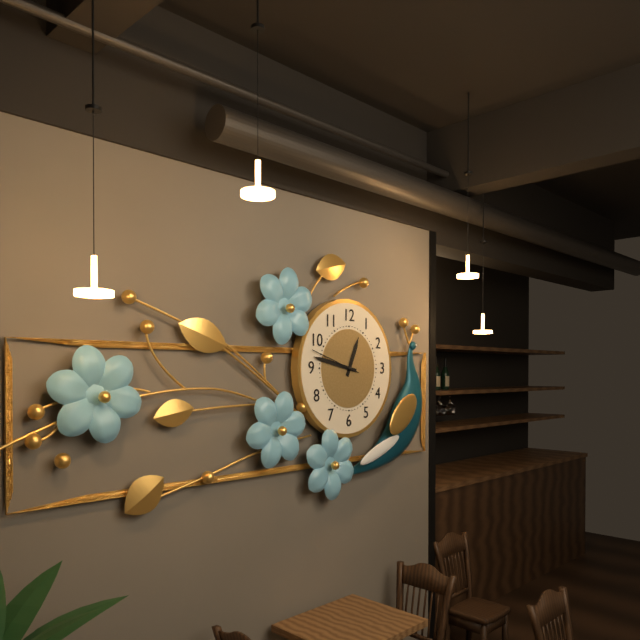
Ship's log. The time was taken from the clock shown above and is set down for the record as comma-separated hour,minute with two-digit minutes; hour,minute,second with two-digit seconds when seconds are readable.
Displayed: 12,47,48
